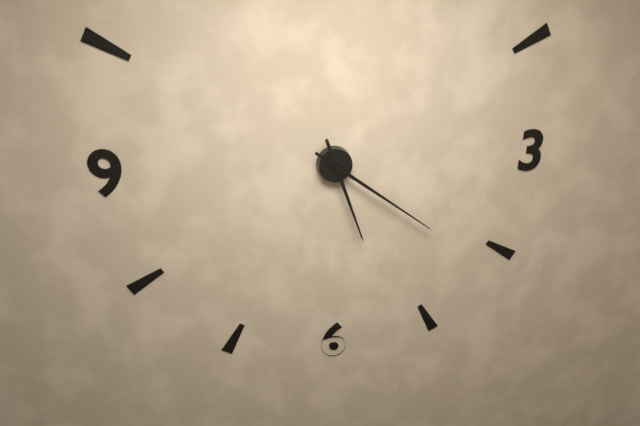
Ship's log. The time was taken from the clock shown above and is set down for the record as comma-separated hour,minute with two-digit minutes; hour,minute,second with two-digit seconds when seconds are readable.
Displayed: 5,21
